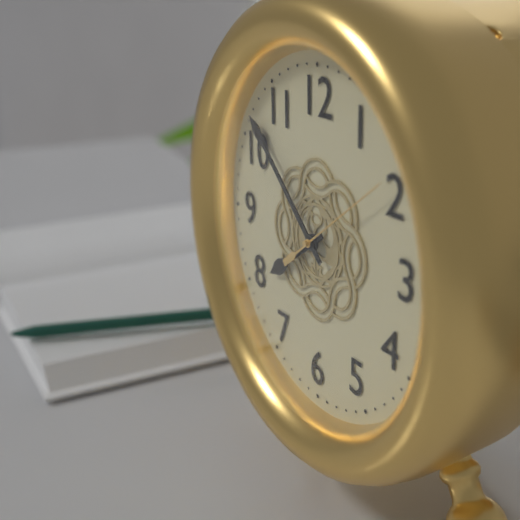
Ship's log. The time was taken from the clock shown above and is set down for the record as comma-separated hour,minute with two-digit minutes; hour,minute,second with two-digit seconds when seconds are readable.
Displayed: 7,52,09
